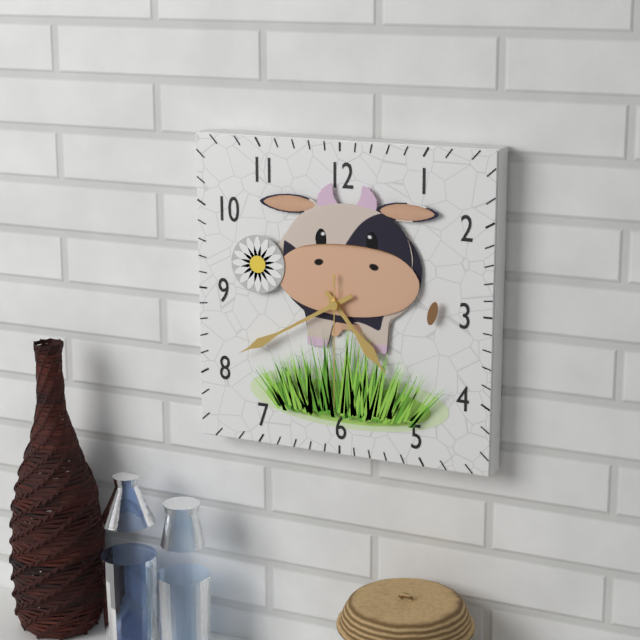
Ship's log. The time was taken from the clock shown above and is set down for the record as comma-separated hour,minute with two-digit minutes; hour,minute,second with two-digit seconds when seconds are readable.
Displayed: 4,40,30
